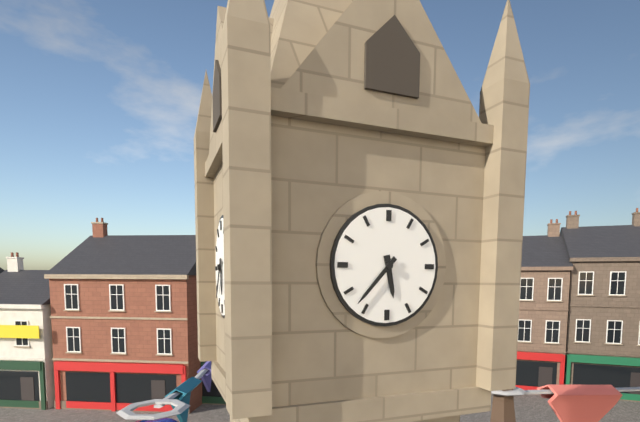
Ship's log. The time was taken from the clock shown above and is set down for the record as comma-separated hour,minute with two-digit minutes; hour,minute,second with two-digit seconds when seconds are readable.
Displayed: 5,37
